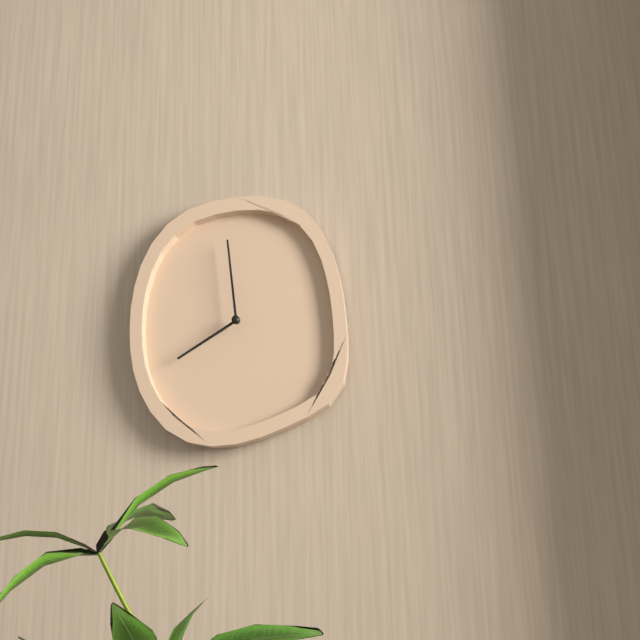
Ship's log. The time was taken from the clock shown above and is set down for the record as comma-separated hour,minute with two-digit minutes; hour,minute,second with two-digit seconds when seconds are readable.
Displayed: 7,59
